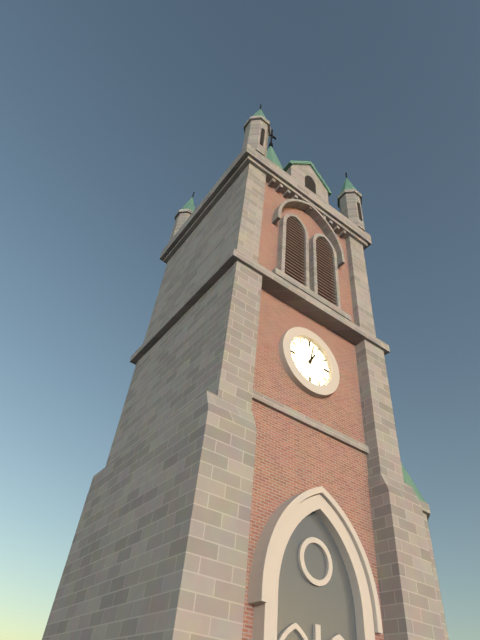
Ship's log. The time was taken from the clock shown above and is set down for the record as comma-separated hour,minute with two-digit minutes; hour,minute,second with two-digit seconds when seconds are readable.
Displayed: 1,02
